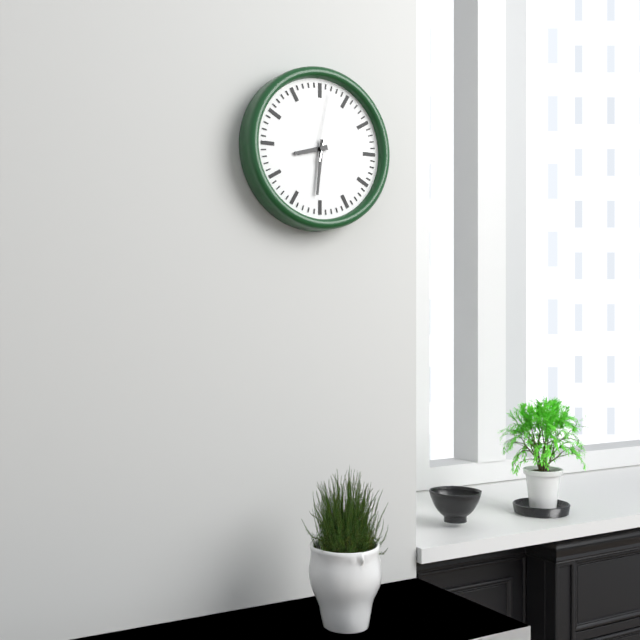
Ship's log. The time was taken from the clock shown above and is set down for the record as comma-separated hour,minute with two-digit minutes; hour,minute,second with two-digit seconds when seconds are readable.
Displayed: 8,31,02
